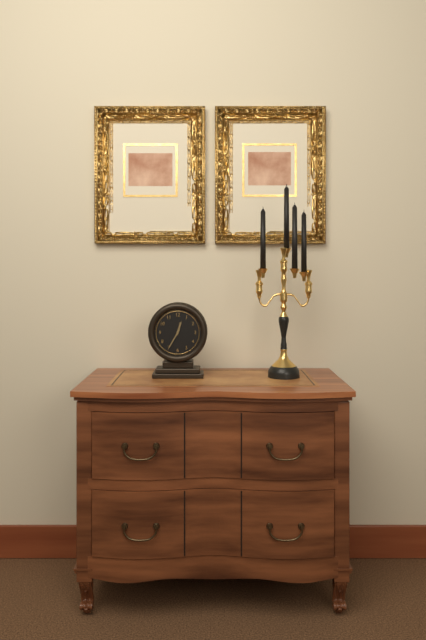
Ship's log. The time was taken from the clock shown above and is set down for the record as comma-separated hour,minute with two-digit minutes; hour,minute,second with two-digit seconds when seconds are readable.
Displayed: 12,35
